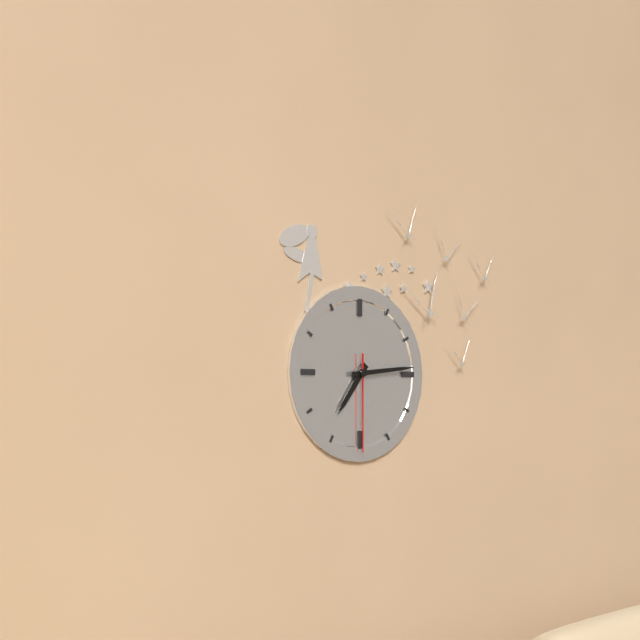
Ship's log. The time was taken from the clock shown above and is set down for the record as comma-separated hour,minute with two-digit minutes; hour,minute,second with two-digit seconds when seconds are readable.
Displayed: 7,14,30
